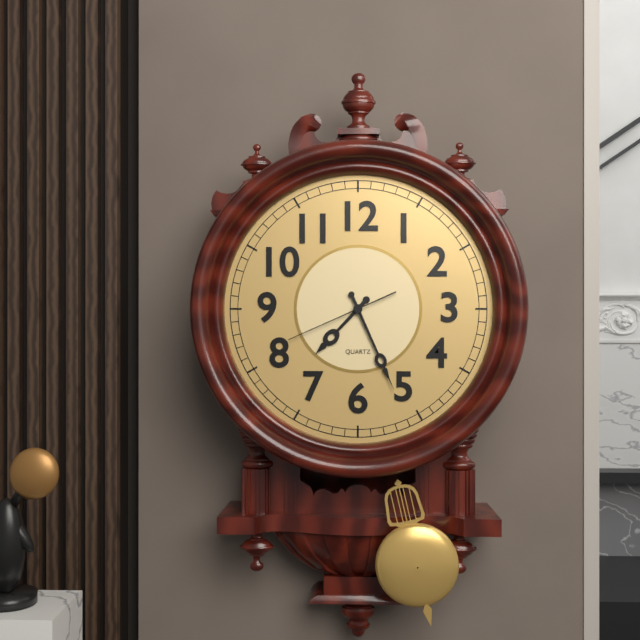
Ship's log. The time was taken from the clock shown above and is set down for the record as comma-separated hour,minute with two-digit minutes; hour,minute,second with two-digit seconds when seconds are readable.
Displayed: 7,26,41
